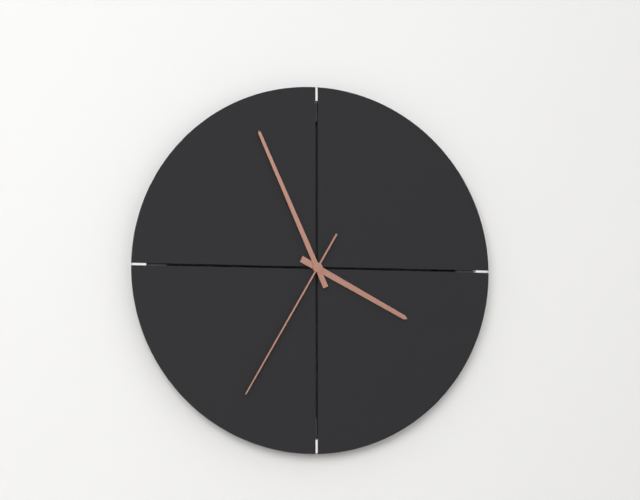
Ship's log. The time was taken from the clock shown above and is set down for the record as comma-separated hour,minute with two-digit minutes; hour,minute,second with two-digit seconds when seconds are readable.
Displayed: 3,56,35
